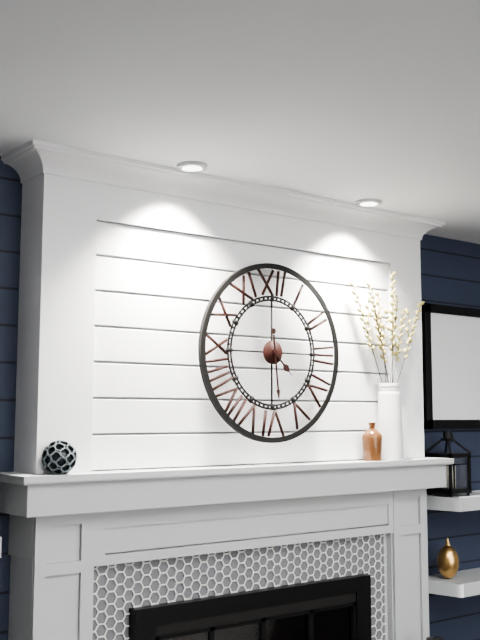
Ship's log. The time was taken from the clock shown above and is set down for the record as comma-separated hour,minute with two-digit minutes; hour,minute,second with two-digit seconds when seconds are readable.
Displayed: 4,29
